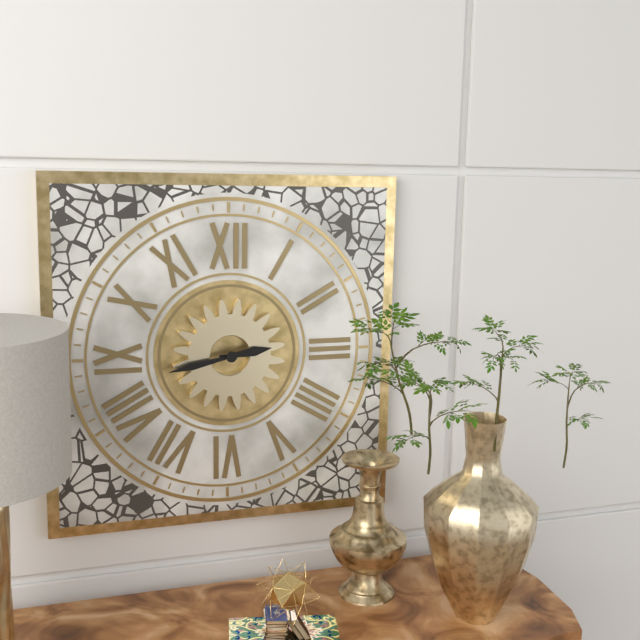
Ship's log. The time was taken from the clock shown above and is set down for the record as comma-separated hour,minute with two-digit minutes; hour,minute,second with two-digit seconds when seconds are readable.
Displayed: 2,43
